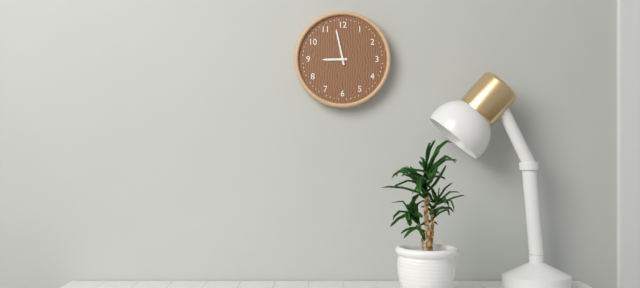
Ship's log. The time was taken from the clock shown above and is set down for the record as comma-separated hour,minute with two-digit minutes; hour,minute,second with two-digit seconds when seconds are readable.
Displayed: 8,58
